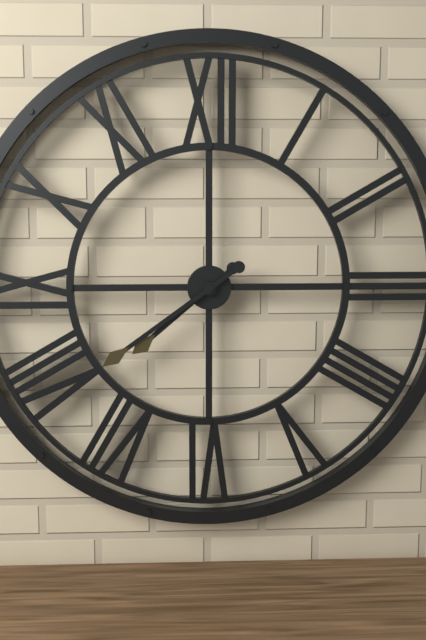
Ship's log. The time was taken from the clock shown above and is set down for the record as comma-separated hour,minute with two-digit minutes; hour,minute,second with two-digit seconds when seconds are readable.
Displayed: 7,39
